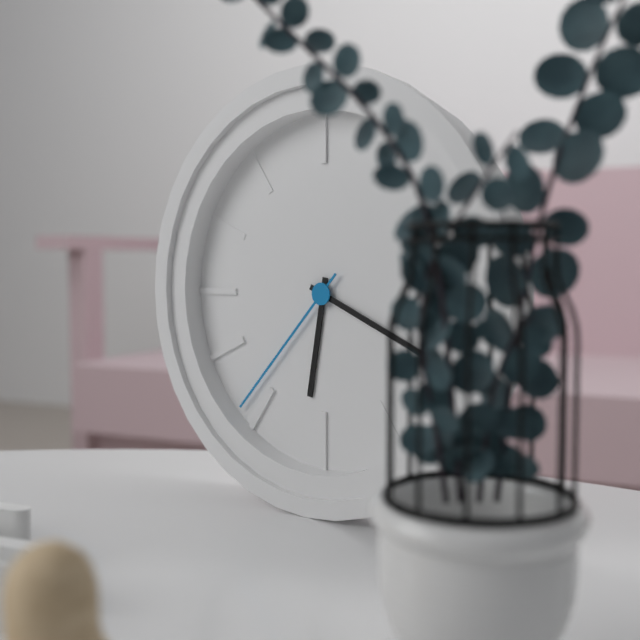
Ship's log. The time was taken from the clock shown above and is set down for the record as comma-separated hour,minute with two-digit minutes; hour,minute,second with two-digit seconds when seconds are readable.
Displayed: 6,19,37
